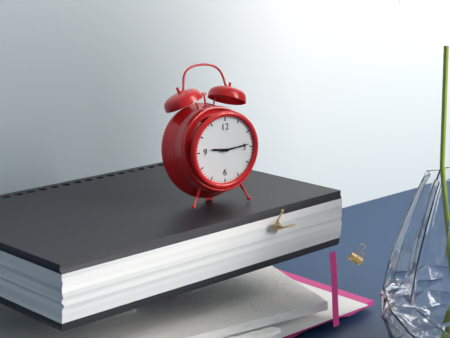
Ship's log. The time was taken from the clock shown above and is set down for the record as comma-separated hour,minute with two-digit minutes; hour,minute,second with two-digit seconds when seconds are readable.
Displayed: 9,14
